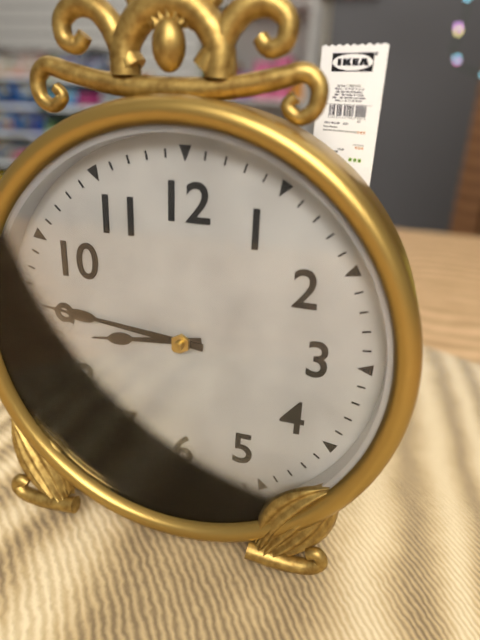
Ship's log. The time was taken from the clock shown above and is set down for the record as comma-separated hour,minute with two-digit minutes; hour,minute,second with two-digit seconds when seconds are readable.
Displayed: 8,46
